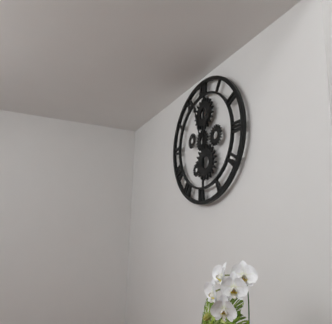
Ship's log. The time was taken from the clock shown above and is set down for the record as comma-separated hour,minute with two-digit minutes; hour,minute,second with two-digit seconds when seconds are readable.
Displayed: 12,57
